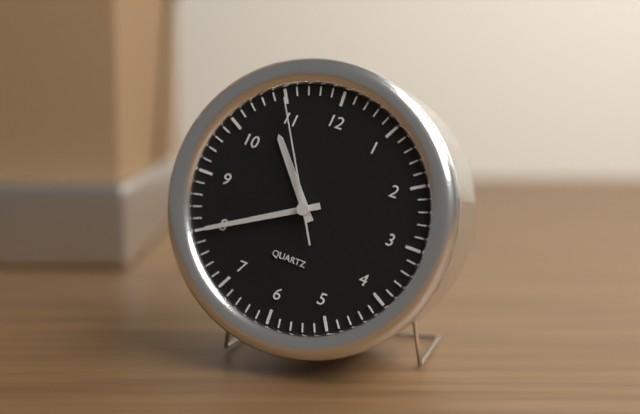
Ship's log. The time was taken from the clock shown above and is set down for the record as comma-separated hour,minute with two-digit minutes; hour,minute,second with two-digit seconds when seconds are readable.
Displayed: 10,40,55
